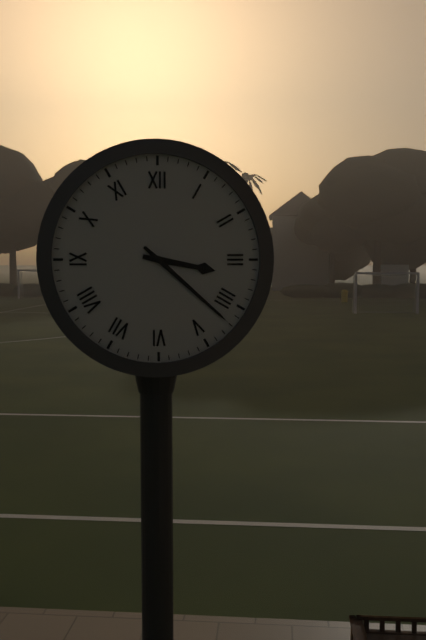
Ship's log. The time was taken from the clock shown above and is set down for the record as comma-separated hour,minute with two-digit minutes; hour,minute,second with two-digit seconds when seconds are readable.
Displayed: 3,22
